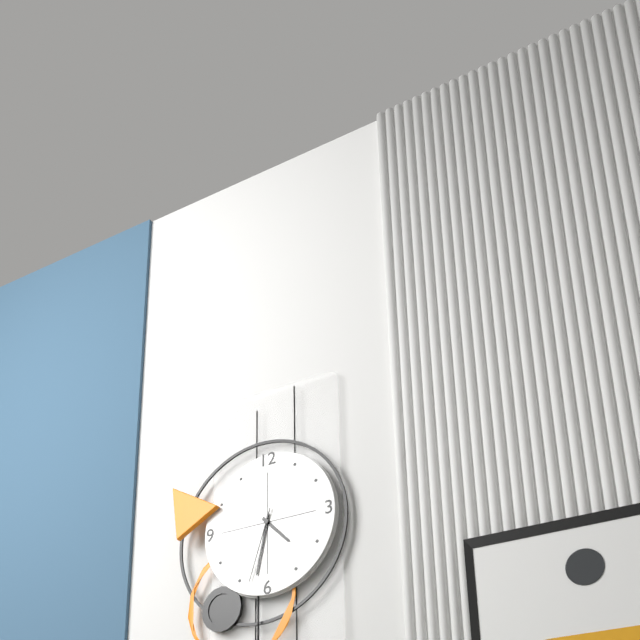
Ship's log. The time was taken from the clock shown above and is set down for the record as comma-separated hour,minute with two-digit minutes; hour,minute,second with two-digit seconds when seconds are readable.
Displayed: 4,32,33
